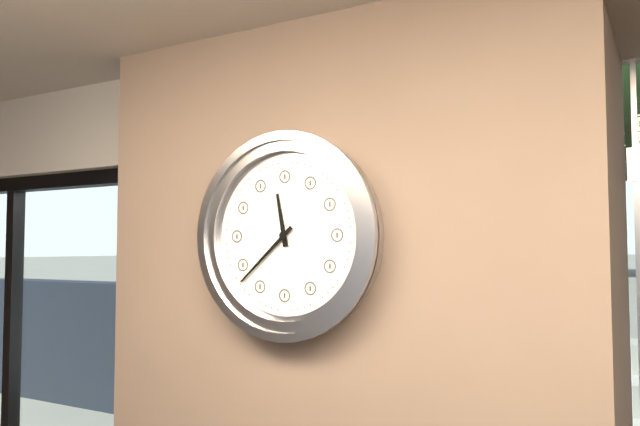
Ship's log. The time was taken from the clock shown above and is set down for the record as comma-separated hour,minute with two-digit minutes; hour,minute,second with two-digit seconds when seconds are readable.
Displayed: 11,38
